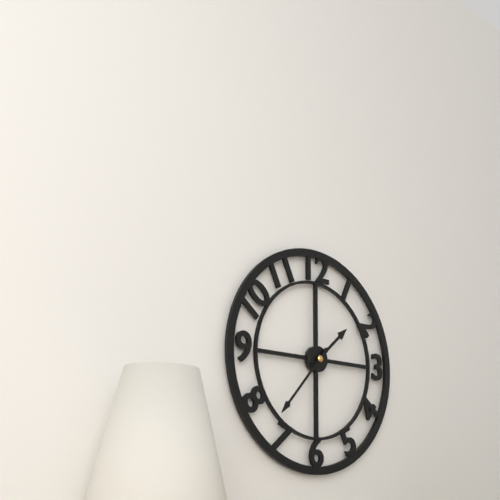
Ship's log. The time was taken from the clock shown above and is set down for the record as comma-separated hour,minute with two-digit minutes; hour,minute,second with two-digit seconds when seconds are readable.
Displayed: 1,37
